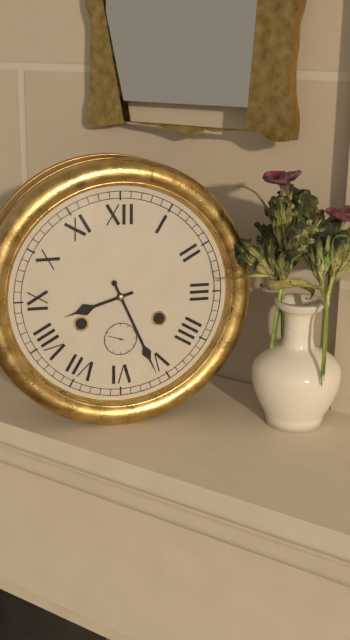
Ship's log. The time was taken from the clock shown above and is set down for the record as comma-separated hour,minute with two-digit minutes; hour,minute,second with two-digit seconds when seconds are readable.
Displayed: 8,26
